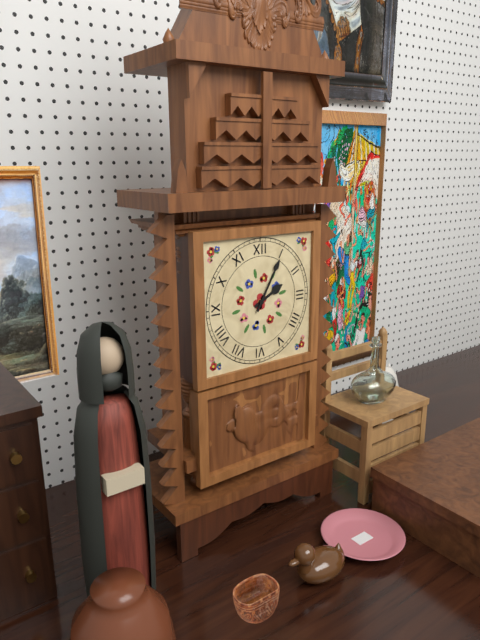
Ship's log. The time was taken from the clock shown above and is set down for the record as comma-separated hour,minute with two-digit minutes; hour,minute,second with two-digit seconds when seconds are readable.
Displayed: 2,05
